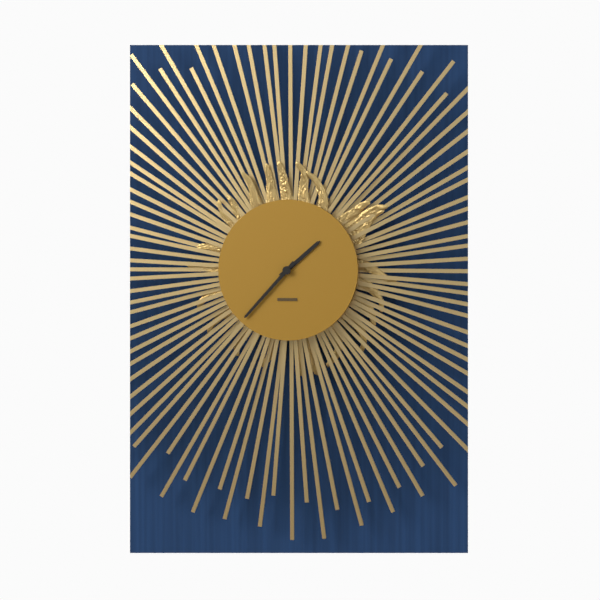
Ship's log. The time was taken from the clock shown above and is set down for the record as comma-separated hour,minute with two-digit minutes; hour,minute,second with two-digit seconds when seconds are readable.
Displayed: 1,37
